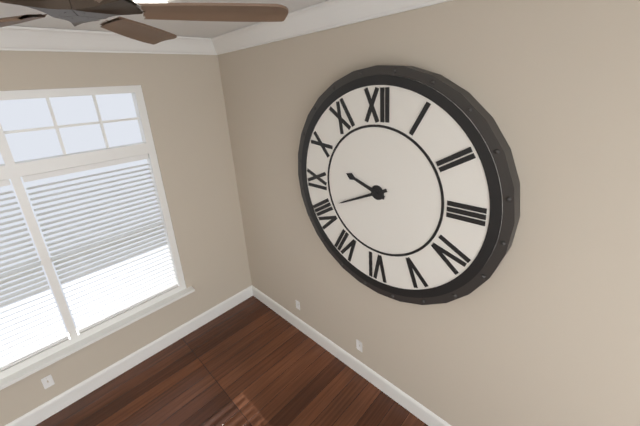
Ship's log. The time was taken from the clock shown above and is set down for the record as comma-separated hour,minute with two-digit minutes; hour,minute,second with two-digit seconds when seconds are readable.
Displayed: 9,41
